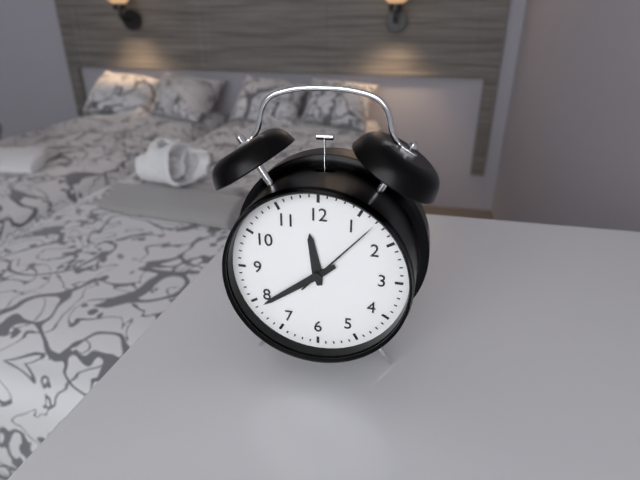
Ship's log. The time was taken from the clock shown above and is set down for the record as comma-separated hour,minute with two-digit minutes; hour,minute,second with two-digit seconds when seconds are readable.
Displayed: 11,39,07
